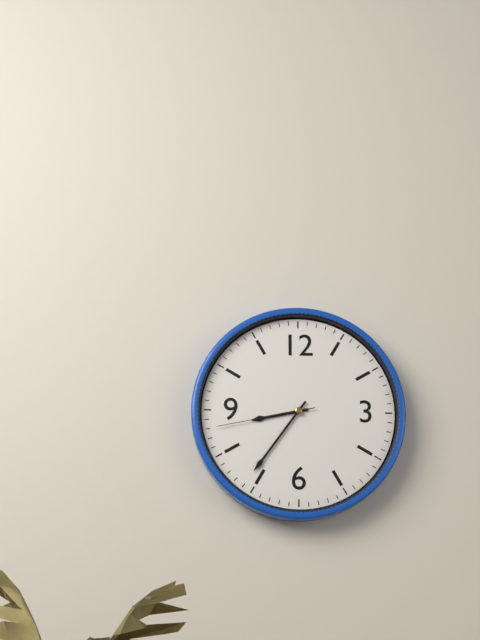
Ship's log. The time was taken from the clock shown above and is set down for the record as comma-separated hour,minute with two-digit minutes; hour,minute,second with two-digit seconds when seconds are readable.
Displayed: 8,36,43
